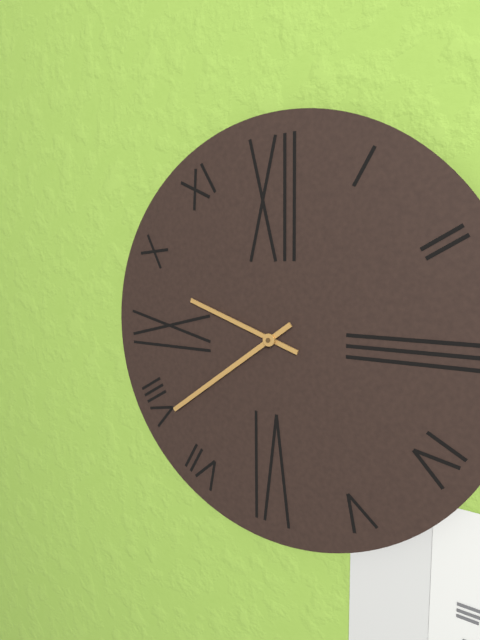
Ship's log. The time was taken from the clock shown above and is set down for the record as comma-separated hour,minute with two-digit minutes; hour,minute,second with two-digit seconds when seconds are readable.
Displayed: 9,39
